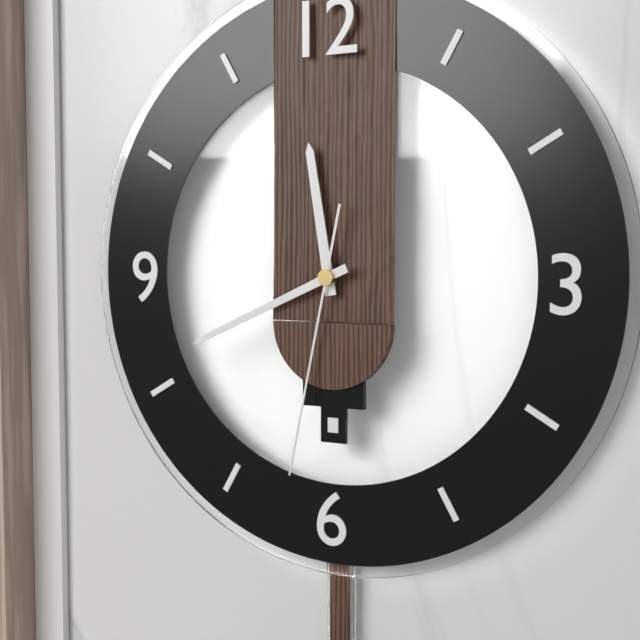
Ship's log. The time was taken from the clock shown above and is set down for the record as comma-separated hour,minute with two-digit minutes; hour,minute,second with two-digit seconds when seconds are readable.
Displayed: 11,41,32
